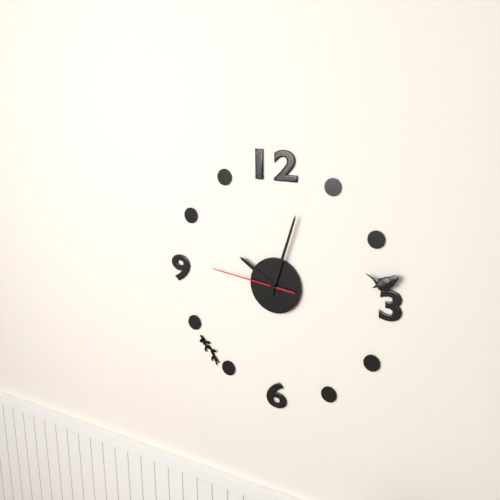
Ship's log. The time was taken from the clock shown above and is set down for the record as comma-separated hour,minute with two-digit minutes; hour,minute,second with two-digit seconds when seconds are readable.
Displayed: 10,03,46
